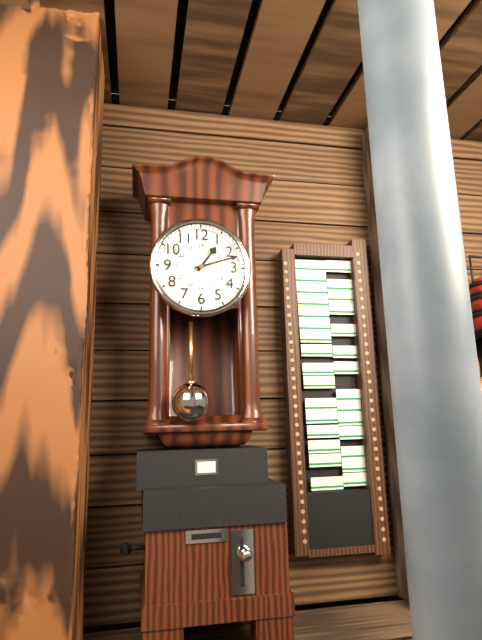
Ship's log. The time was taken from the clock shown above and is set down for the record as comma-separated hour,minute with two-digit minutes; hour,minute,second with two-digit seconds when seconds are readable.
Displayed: 1,12
